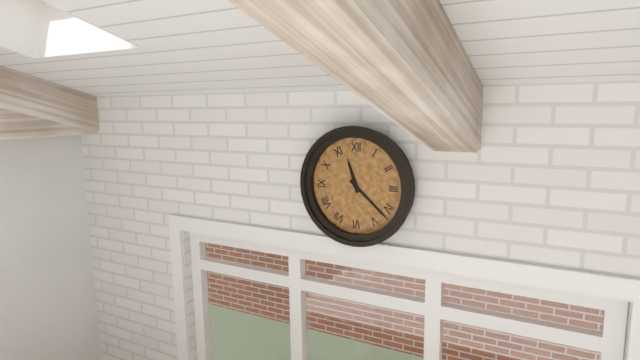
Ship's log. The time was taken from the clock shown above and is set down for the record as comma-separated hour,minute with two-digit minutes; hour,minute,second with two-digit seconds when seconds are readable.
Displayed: 11,22
